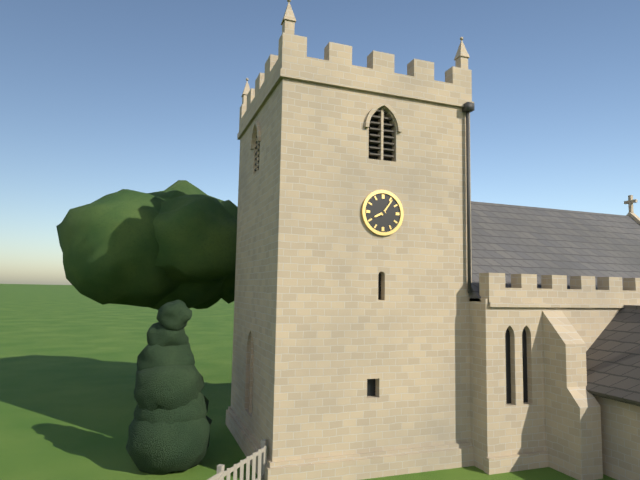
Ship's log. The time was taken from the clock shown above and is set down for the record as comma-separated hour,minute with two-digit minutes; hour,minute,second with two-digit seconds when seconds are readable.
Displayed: 8,06
